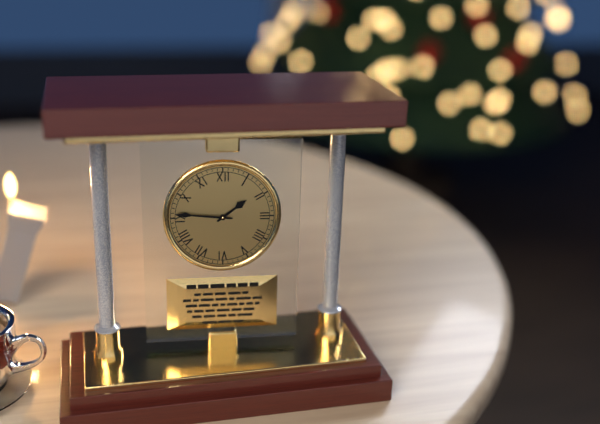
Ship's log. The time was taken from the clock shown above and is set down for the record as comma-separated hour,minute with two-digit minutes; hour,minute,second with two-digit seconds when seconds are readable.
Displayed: 1,46
